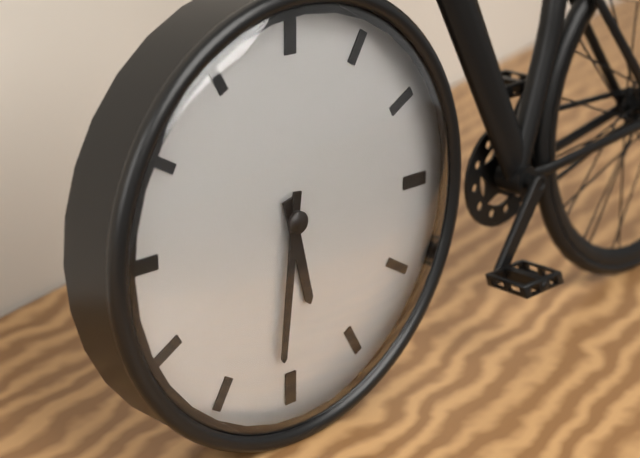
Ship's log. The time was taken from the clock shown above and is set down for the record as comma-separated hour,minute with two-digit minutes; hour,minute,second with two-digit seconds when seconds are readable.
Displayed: 5,31
